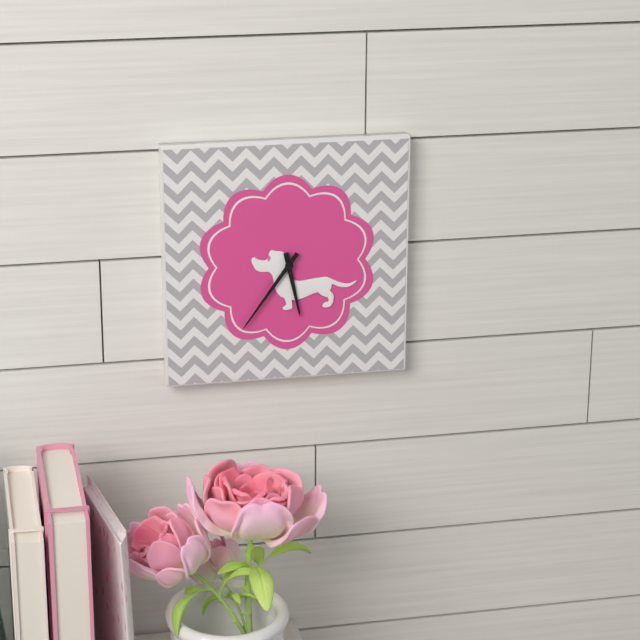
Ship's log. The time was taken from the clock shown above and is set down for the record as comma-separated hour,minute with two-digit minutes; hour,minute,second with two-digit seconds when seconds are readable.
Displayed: 5,36
